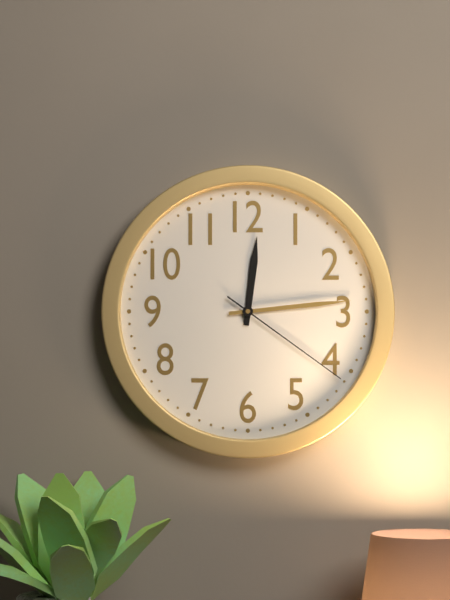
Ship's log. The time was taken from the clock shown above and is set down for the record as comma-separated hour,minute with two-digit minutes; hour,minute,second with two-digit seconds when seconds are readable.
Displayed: 12,14,21
